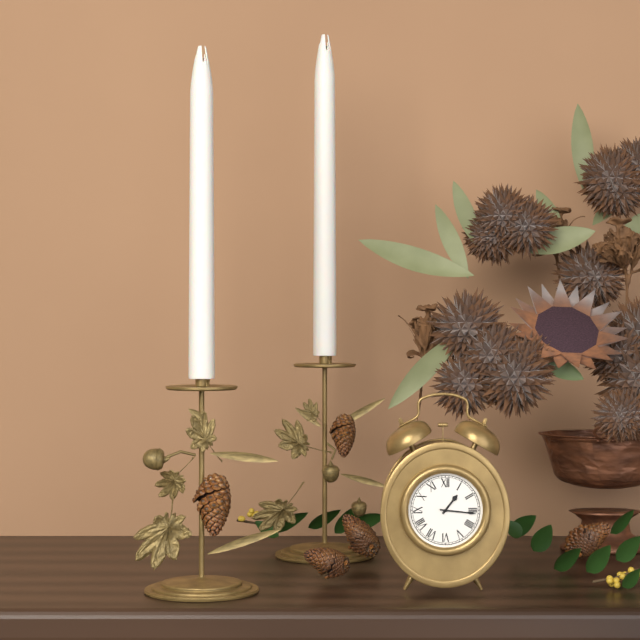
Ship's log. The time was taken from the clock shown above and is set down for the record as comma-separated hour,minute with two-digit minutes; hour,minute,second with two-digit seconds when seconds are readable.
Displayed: 1,16
